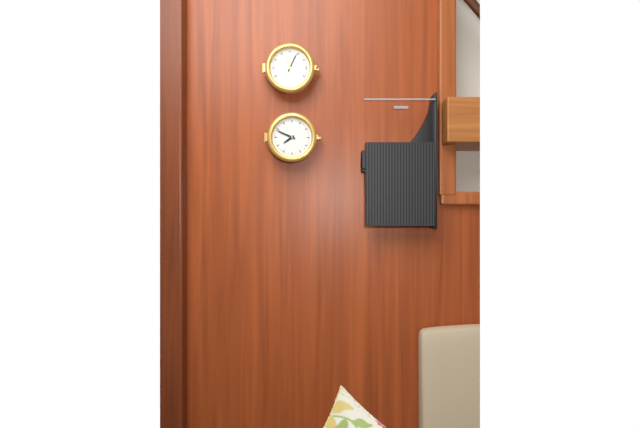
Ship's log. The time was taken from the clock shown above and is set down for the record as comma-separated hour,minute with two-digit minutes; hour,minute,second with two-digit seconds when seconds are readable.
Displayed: 7,49
